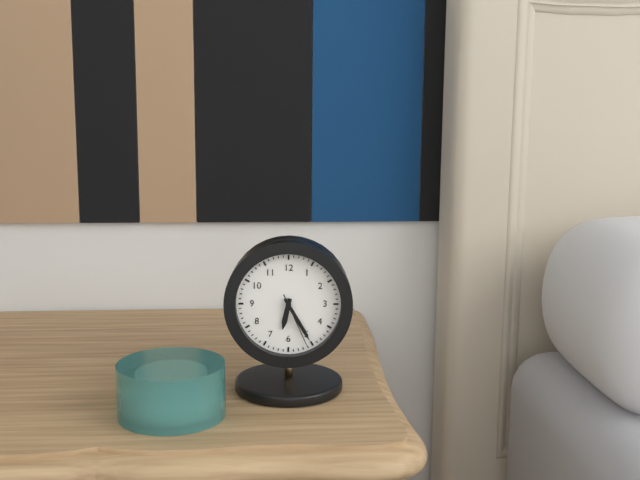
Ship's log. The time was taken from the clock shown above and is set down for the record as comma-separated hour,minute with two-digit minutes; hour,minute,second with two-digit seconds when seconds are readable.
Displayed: 6,25,26
